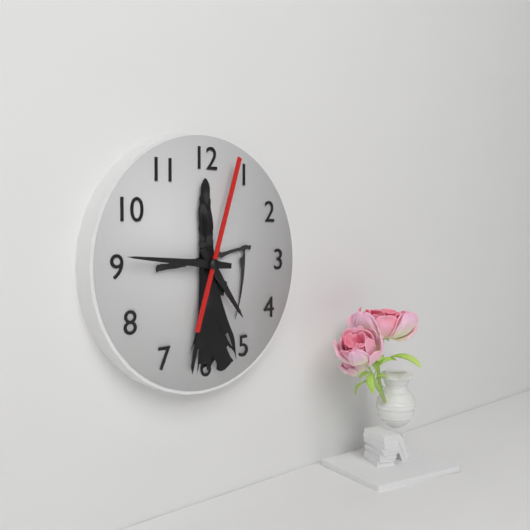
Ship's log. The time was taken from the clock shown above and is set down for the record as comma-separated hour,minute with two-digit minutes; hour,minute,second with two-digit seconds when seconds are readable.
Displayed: 4,46,03
